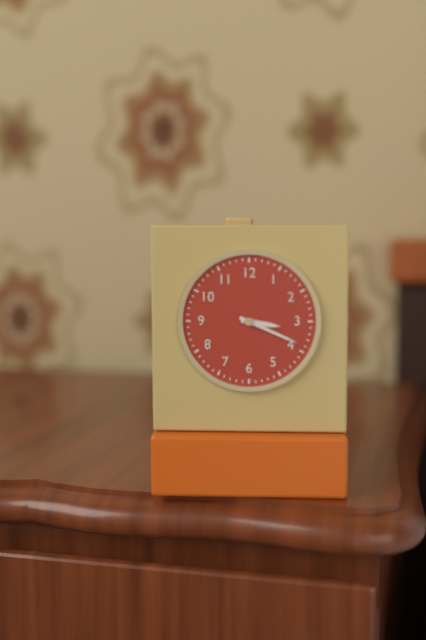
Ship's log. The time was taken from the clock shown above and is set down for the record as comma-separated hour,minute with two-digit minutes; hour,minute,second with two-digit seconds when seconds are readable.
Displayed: 3,19
